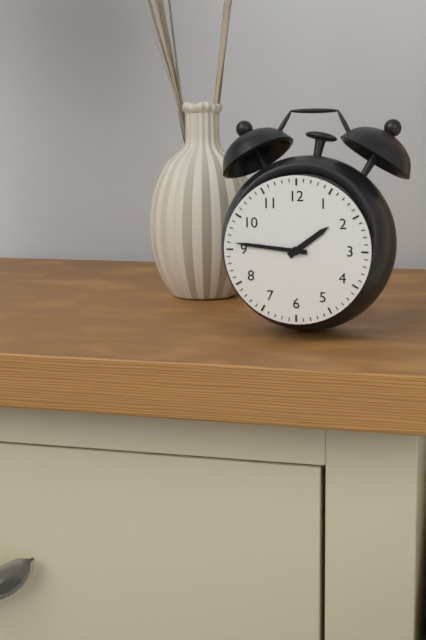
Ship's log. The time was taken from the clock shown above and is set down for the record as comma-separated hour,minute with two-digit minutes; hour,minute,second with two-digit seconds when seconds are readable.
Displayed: 1,46
